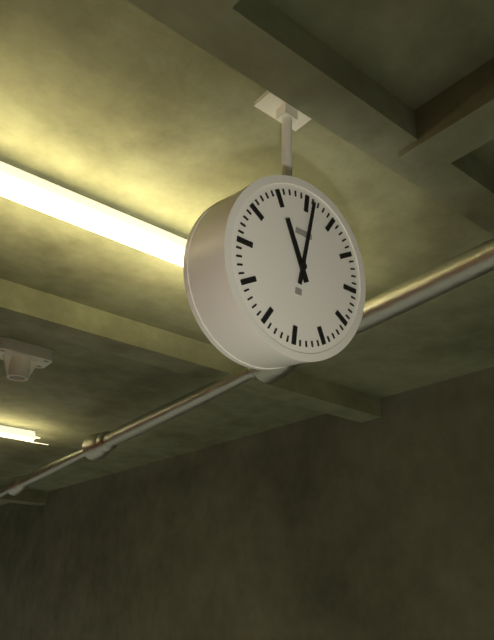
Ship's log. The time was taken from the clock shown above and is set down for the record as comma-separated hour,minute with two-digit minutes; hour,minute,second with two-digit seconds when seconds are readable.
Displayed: 11,01
